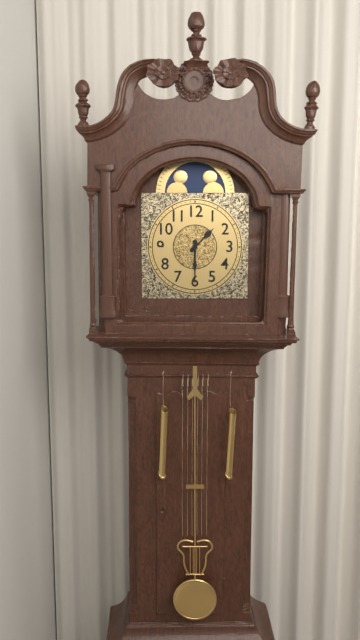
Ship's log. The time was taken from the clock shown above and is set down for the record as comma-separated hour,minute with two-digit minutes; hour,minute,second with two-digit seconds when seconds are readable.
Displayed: 1,30
